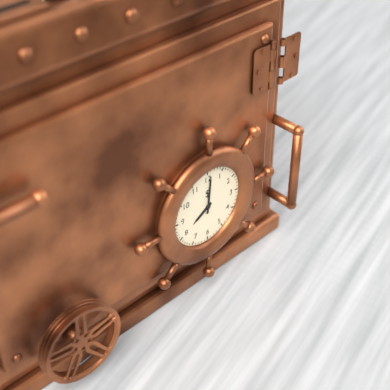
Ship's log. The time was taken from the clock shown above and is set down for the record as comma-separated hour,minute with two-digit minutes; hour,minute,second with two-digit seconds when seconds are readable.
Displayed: 8,01
